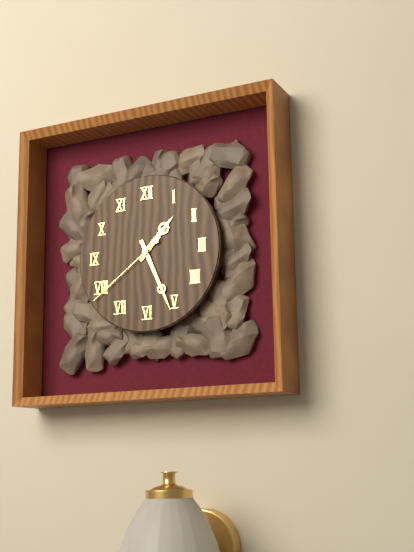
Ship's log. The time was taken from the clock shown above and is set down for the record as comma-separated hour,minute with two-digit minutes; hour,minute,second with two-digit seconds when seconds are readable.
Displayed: 1,26,39
